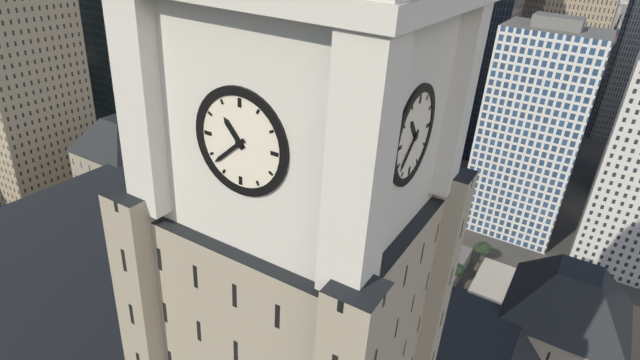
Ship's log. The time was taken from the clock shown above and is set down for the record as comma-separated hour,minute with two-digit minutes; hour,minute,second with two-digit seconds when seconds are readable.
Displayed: 10,38
